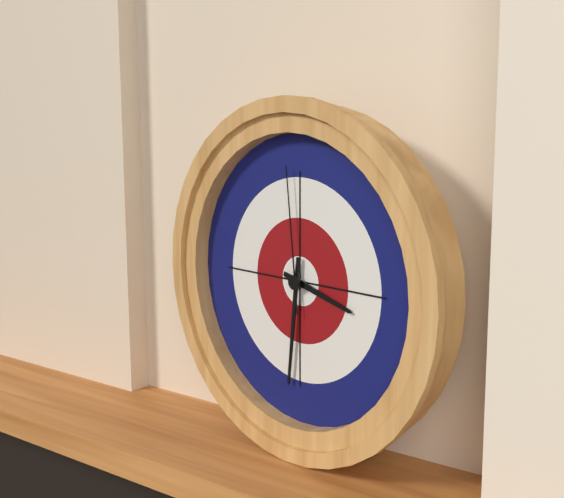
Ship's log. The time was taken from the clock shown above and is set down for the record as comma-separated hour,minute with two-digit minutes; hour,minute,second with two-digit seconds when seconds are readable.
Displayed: 3,31,59
